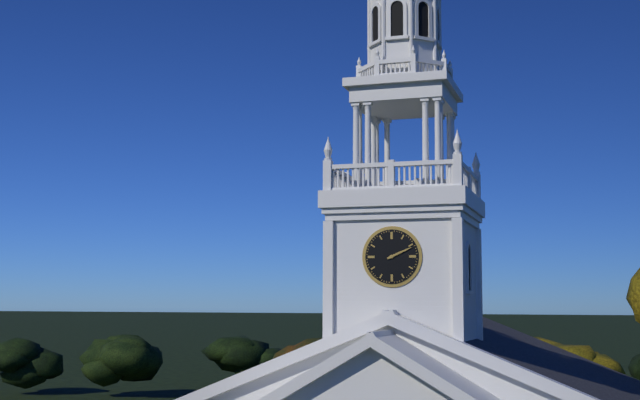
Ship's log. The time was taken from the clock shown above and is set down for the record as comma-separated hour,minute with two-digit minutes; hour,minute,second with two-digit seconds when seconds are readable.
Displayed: 2,11
